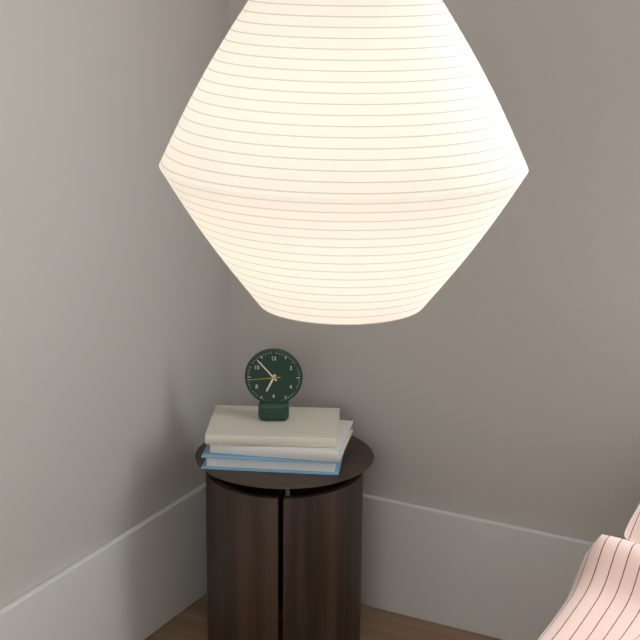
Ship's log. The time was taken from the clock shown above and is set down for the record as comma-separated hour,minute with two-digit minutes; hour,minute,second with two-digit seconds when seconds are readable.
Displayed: 6,53
